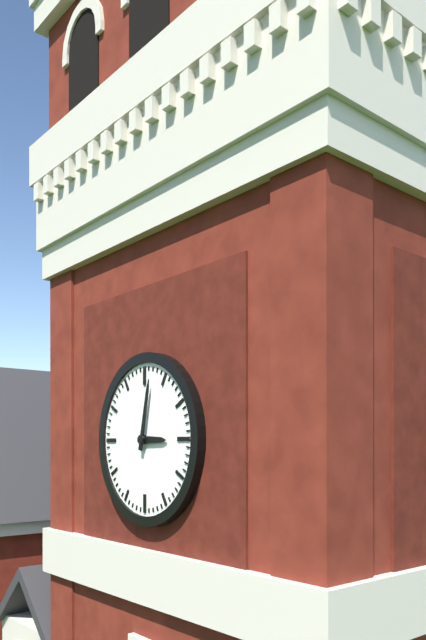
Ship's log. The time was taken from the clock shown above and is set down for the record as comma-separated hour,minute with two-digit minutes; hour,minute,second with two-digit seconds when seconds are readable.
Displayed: 3,02
